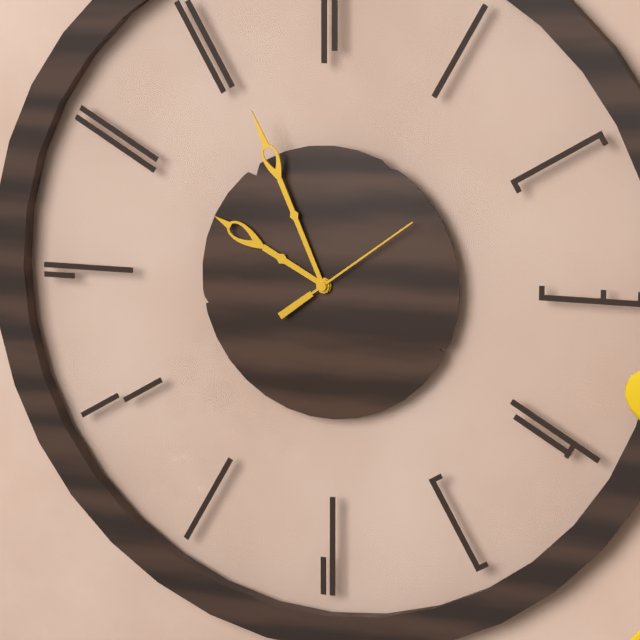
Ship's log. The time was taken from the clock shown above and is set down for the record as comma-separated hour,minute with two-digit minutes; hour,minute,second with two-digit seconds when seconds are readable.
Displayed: 9,56,09
